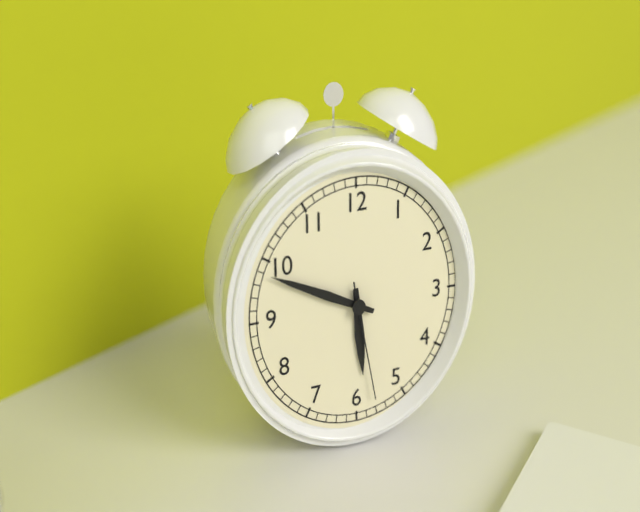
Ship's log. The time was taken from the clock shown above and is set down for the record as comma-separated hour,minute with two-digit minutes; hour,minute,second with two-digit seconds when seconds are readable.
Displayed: 5,49,28
